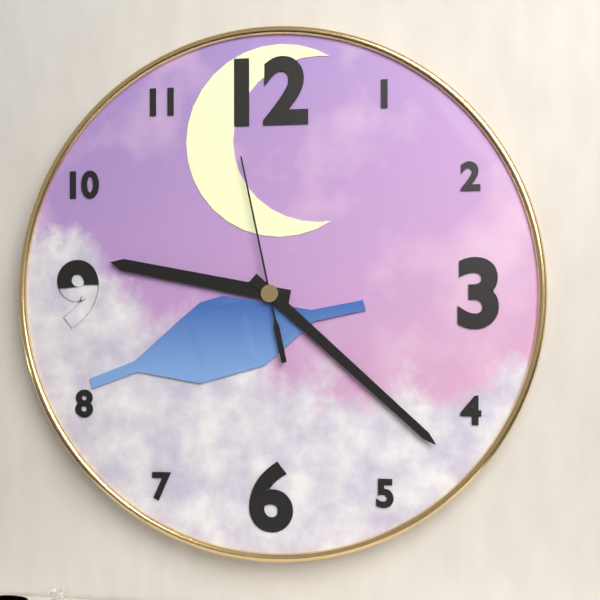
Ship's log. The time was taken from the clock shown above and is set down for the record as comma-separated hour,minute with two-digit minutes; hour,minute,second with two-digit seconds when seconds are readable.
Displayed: 9,22,58
